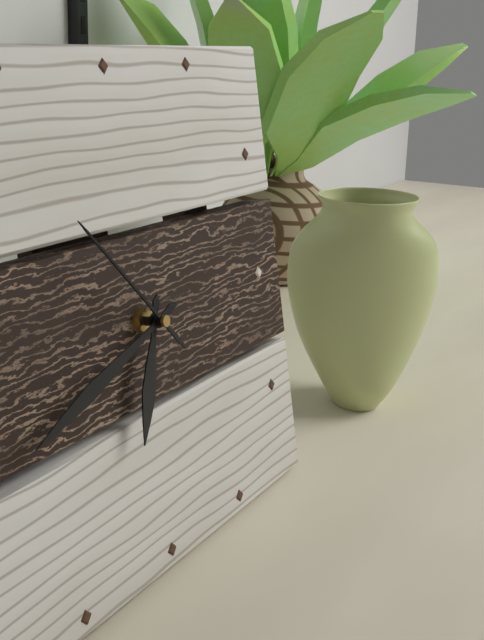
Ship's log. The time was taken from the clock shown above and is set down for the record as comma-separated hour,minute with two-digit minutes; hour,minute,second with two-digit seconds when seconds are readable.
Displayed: 6,42,53
